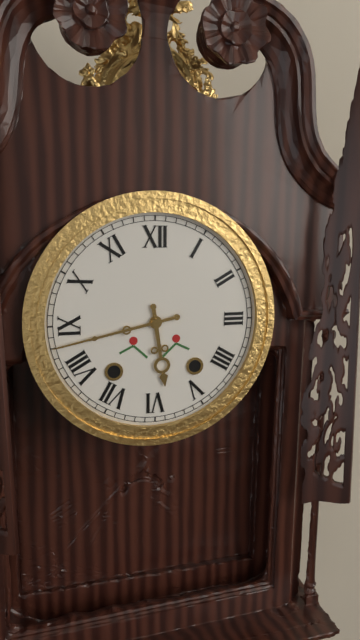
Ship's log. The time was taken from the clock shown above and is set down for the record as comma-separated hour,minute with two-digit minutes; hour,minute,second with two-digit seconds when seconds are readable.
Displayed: 5,43
